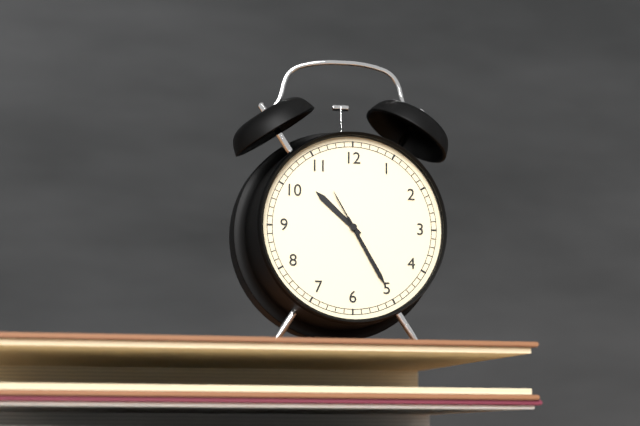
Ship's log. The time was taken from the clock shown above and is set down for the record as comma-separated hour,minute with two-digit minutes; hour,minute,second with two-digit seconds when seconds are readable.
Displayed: 10,25,55
